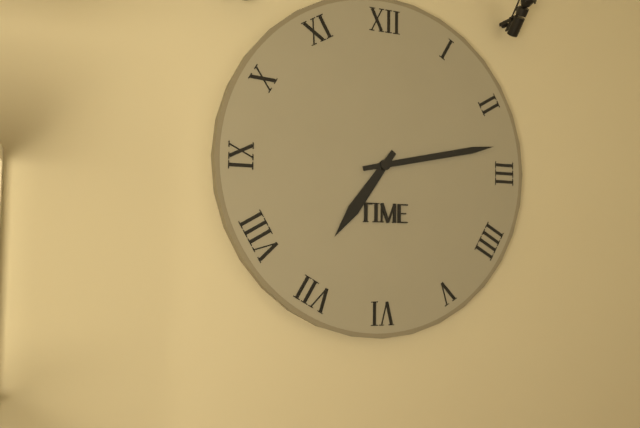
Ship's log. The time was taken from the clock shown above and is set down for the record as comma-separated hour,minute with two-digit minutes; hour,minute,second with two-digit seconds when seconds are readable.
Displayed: 7,13
